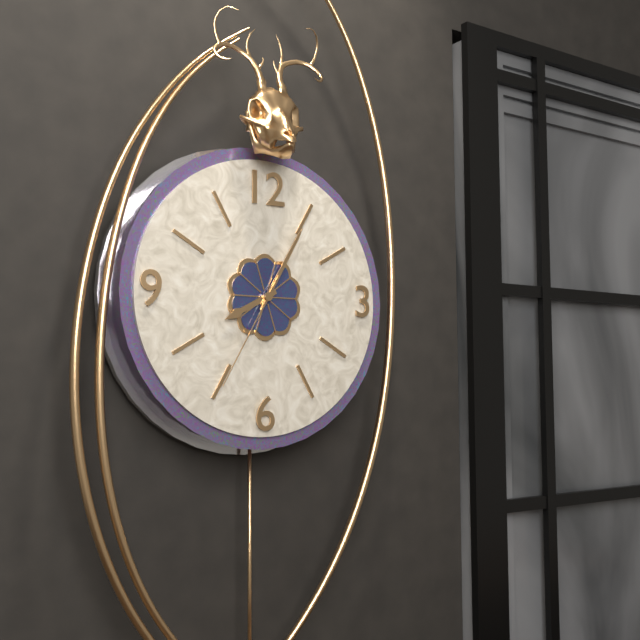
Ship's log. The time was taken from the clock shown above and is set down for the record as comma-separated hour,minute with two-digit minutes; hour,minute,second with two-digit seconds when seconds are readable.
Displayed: 8,05,35
